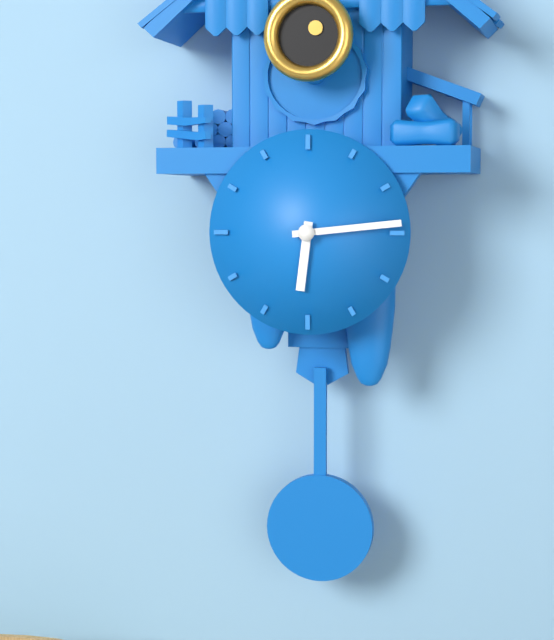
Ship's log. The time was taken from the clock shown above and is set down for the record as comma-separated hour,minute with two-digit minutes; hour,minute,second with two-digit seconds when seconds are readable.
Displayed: 6,14
